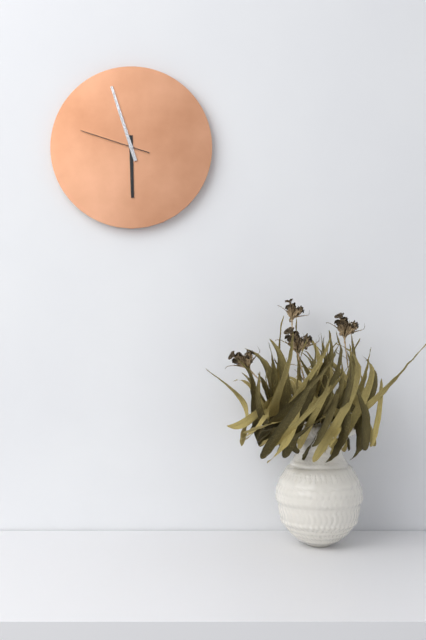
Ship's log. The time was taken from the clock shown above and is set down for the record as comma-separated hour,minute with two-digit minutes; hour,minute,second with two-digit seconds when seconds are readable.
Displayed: 5,57,48
